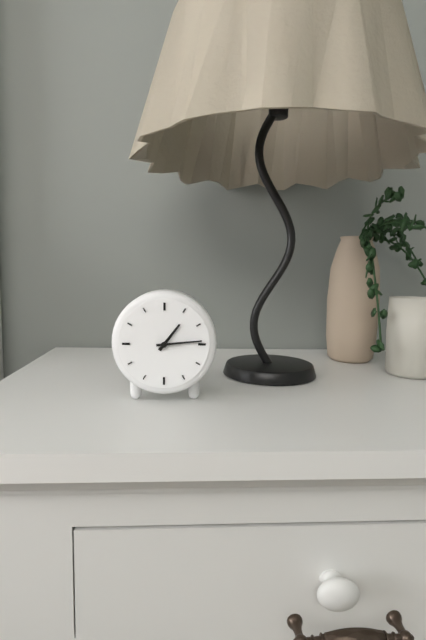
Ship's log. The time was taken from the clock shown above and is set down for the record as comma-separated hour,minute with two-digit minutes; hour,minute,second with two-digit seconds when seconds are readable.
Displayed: 1,14
